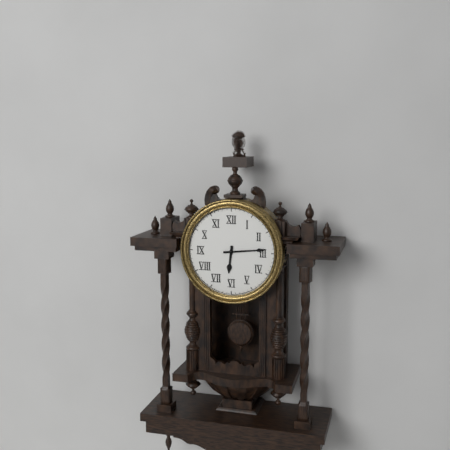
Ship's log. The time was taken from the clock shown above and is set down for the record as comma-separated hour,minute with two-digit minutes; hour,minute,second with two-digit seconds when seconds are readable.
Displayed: 6,14
